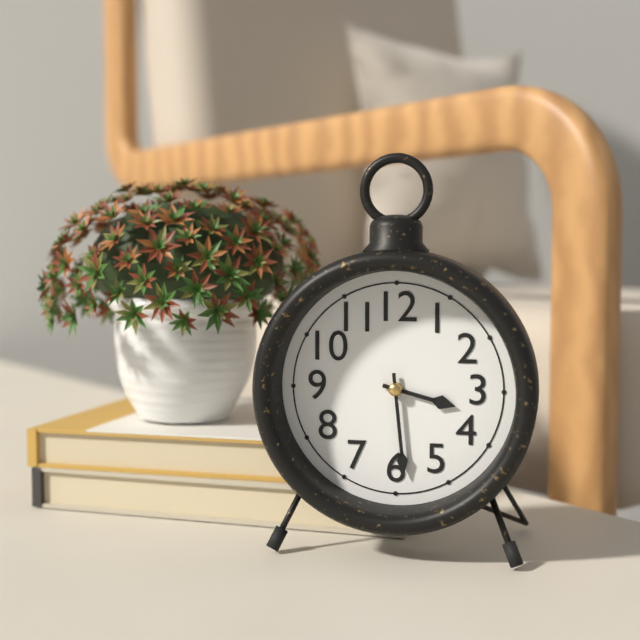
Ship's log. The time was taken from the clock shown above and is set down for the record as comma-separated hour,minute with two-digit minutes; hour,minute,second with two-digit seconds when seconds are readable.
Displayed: 3,29
